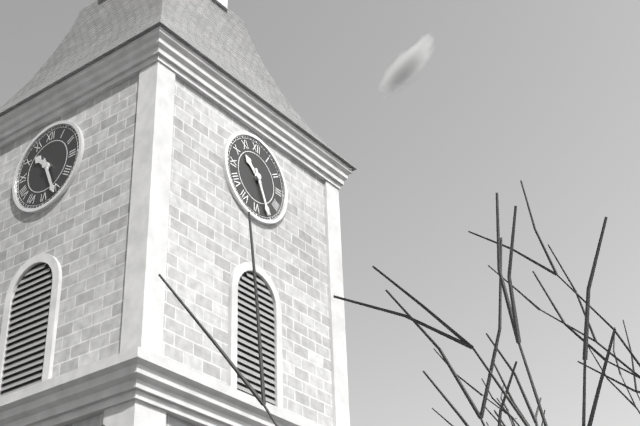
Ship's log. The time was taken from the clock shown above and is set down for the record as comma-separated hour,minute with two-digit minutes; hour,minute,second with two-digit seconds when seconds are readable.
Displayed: 10,26
